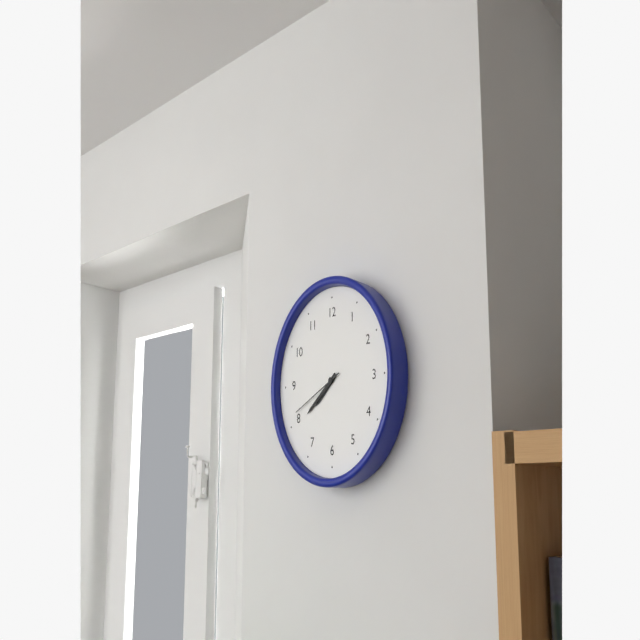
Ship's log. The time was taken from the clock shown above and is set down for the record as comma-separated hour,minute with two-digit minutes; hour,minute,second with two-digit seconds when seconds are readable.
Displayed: 7,39,41
